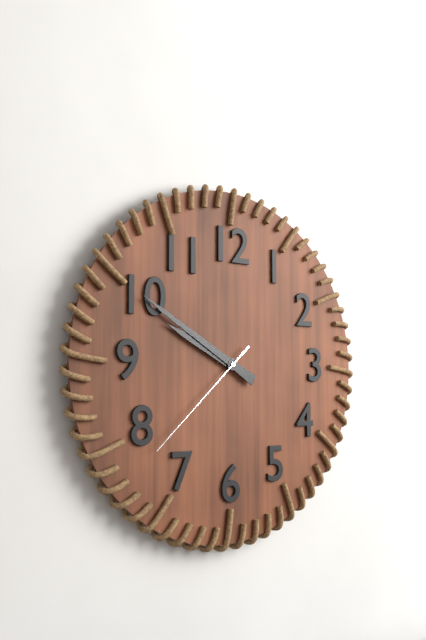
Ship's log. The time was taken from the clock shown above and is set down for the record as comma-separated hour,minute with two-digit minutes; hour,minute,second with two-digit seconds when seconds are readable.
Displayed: 9,50,38
